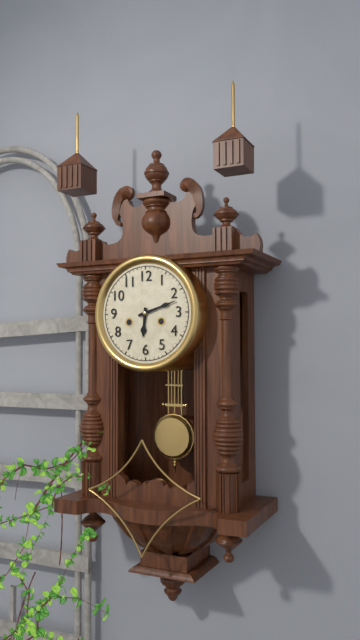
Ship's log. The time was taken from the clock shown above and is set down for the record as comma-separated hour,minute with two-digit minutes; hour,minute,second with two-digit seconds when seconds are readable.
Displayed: 6,12
